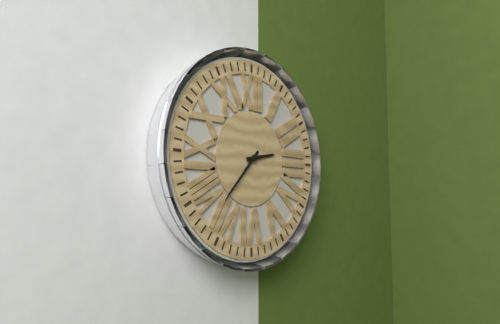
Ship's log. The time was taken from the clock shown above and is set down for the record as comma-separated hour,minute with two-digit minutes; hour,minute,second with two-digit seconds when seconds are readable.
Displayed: 2,37
